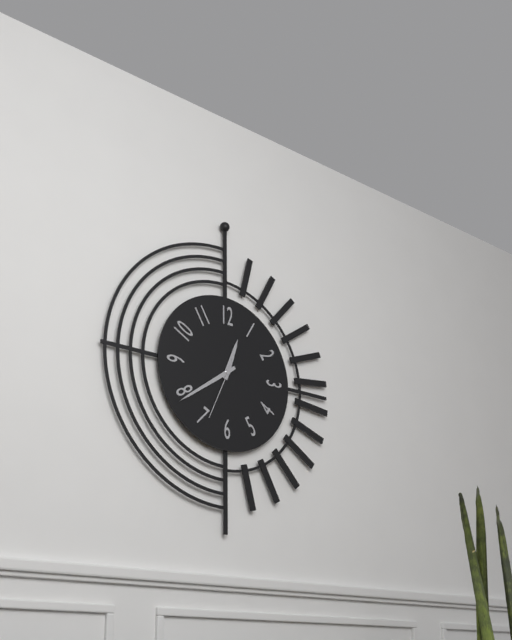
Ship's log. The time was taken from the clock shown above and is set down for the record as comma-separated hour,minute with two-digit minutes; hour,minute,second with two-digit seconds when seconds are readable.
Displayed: 12,39,34
